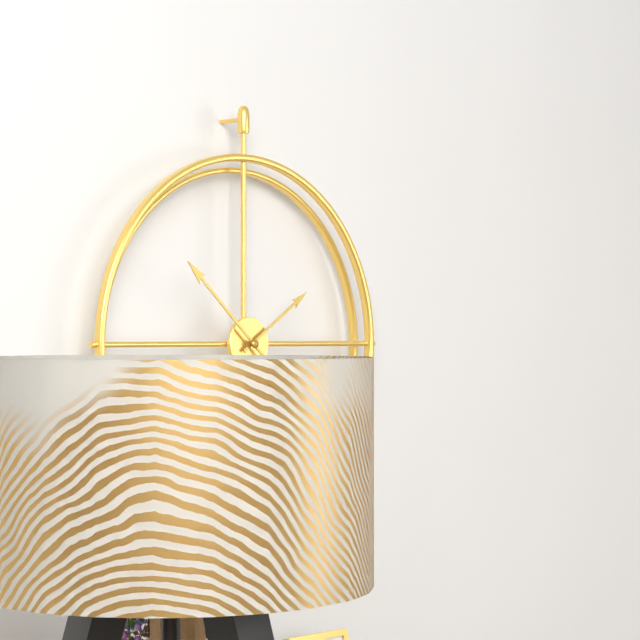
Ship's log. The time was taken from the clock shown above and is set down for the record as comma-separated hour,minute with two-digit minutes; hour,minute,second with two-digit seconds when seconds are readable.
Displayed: 1,52
